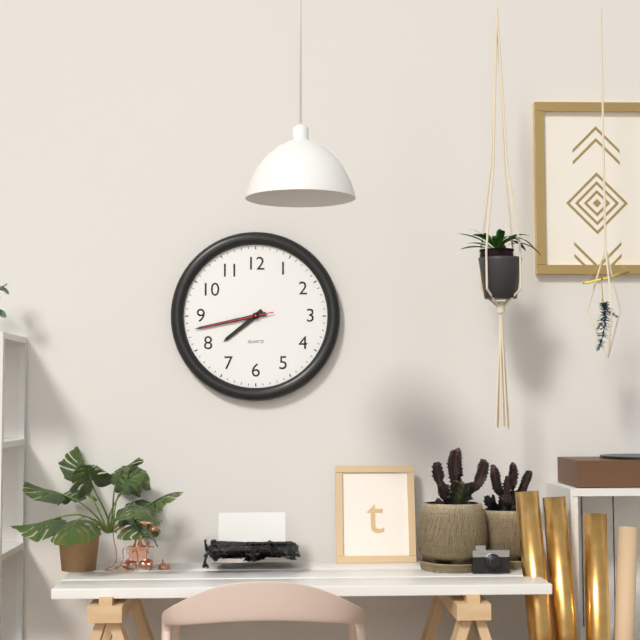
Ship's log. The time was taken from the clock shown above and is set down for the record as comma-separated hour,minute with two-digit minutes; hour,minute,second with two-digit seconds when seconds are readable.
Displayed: 7,43,43
